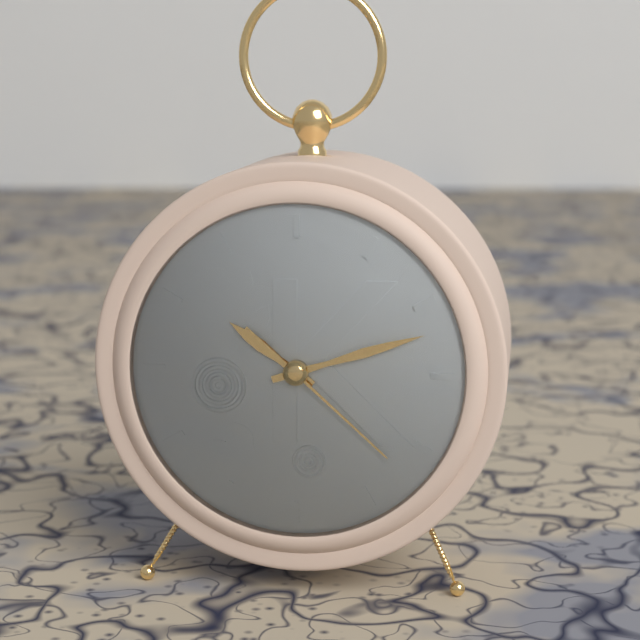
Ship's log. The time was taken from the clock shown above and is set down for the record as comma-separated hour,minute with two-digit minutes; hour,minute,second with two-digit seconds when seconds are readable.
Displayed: 10,12,22
